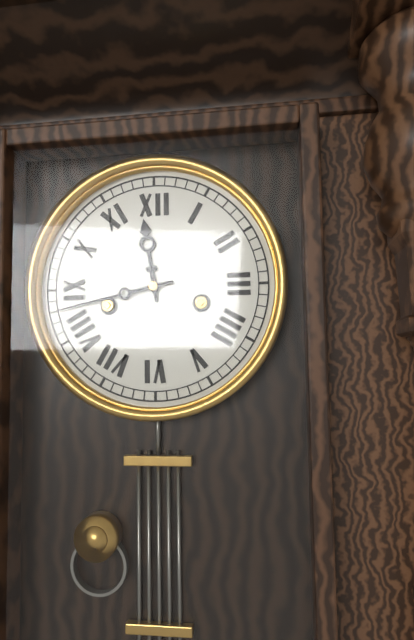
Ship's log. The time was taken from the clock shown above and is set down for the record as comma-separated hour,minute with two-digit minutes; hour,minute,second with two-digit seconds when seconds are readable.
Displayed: 11,43
